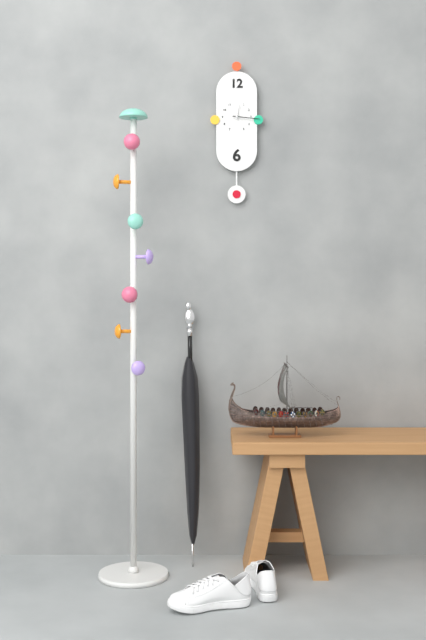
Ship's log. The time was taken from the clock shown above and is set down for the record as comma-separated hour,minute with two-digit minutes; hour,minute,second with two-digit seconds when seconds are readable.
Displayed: 12,16
